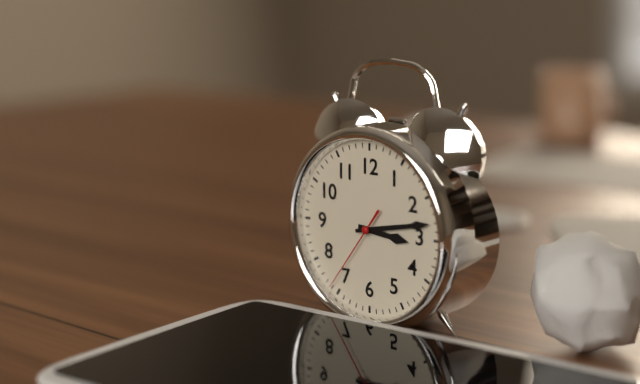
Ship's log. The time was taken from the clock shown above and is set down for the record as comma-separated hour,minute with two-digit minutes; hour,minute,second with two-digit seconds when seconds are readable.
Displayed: 3,13,36
